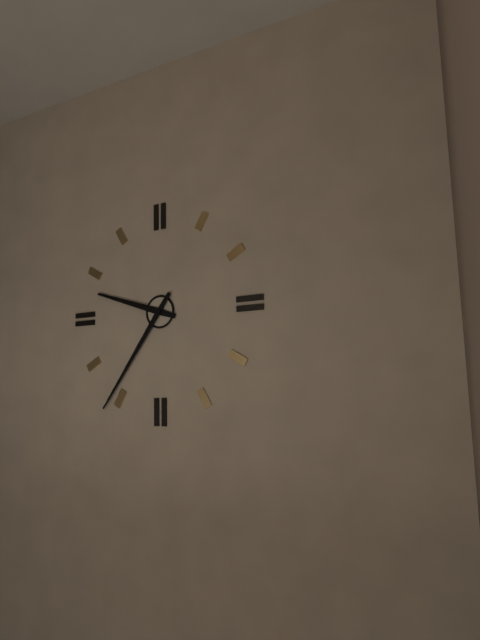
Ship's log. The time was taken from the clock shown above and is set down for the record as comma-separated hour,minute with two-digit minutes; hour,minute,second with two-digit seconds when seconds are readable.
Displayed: 9,36
